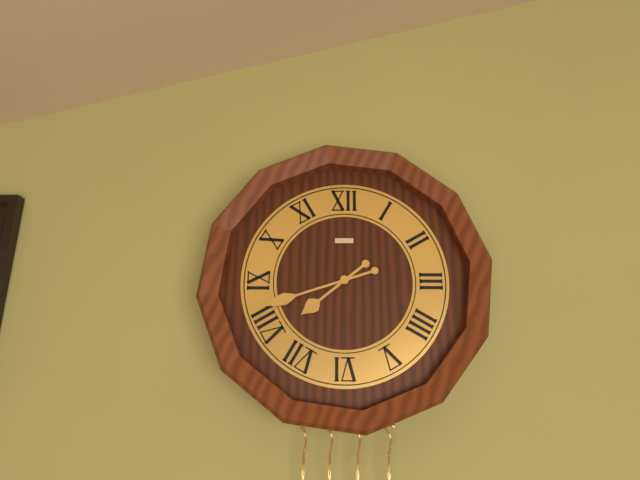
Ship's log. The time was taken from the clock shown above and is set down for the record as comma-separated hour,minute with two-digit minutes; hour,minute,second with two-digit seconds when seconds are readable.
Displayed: 7,42
